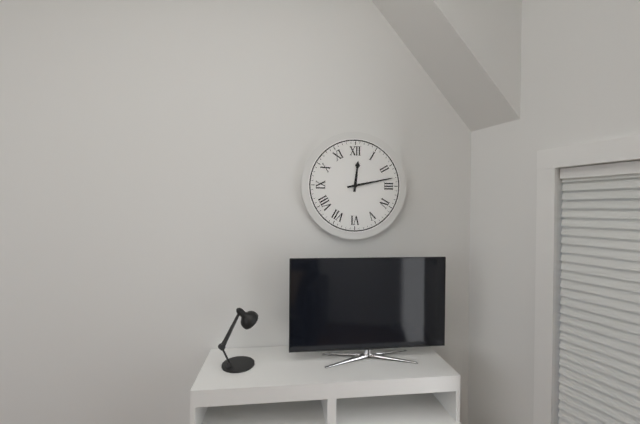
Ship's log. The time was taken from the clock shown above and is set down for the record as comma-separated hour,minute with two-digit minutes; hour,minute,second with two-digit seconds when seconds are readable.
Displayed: 12,13
